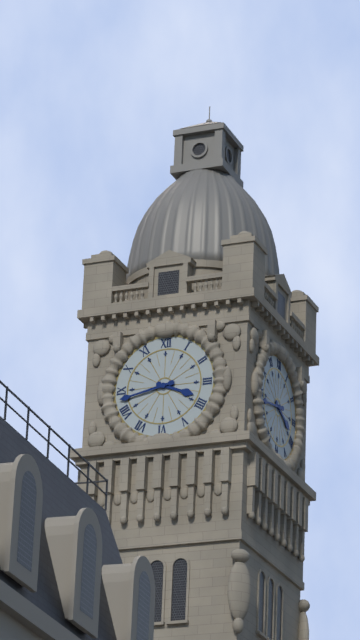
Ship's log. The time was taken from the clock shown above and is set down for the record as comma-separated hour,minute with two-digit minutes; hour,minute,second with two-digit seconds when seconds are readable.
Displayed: 3,43
